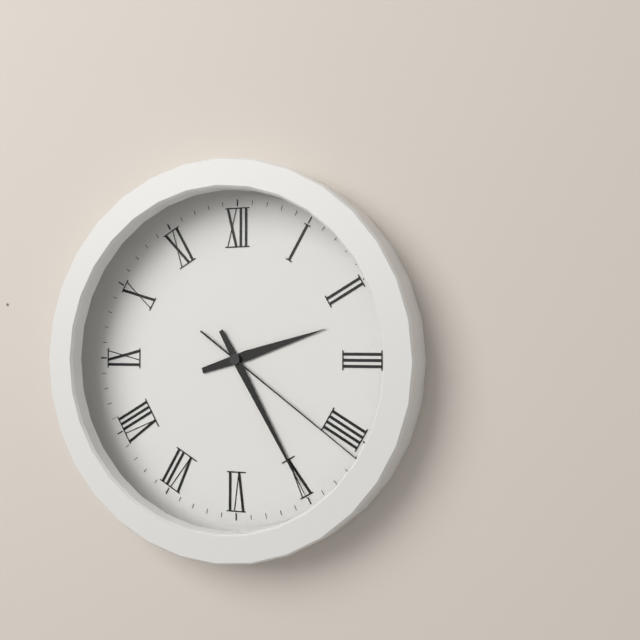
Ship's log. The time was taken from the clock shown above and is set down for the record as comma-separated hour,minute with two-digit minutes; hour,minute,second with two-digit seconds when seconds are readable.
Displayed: 2,25,21
